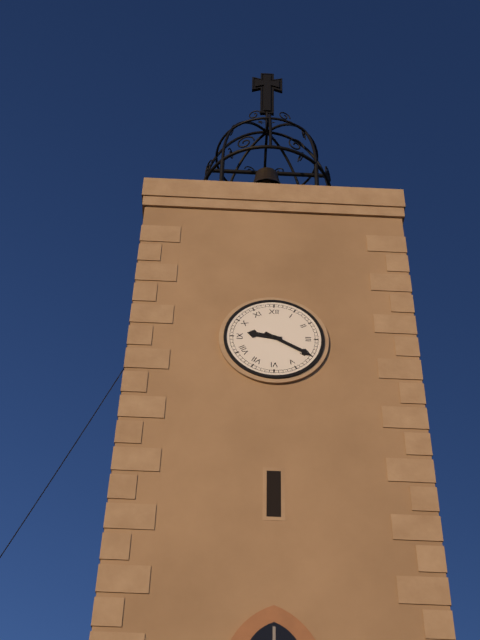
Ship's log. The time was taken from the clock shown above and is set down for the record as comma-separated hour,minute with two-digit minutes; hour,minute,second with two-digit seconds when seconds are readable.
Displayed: 9,20
